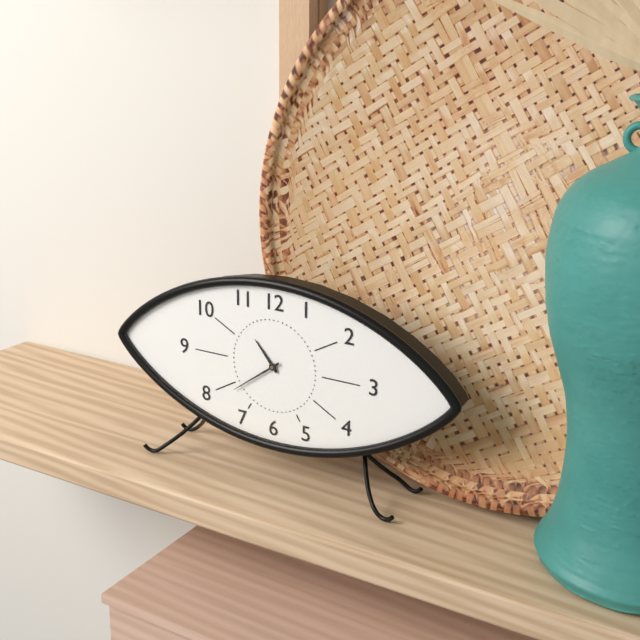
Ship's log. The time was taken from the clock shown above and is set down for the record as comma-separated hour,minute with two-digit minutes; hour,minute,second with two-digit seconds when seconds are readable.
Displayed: 10,39
